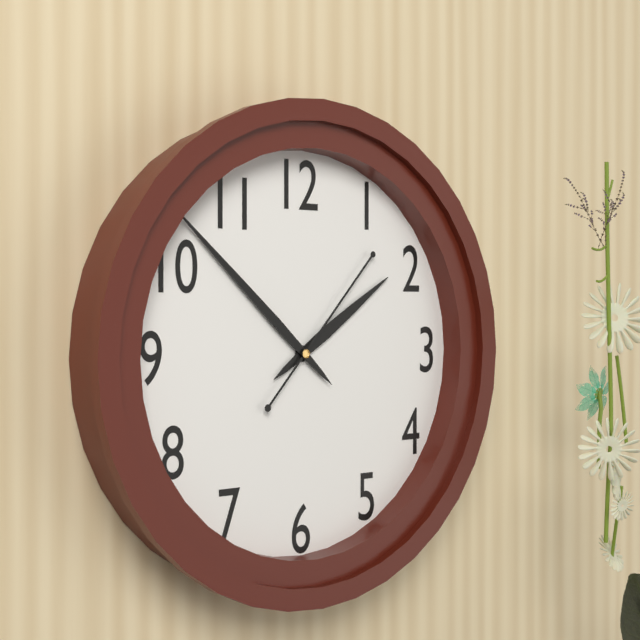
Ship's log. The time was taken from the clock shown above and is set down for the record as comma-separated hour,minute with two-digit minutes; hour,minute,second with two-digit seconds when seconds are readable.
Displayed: 1,52,07
